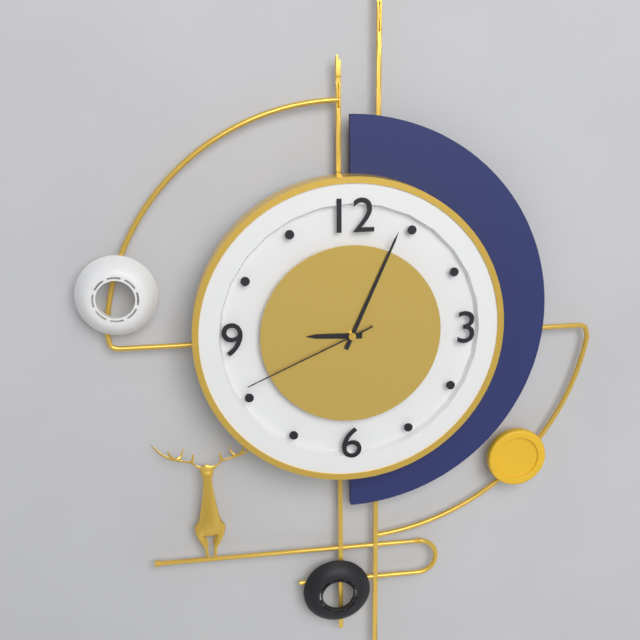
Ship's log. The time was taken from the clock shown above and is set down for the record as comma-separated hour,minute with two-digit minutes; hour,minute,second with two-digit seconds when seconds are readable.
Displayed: 9,04,41
